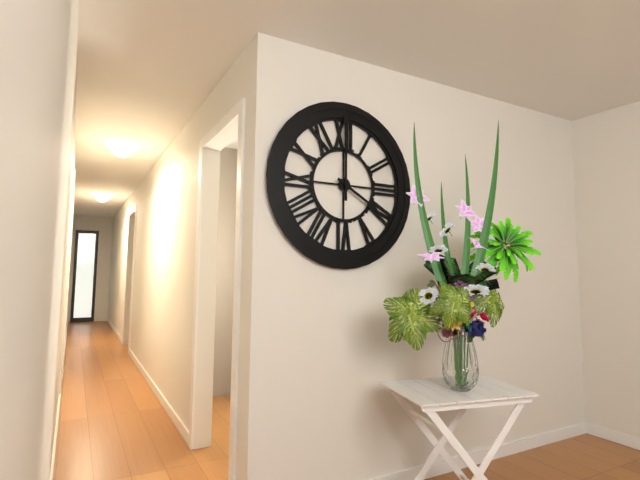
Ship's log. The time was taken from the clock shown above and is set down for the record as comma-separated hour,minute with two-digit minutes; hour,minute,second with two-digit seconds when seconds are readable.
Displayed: 4,00
